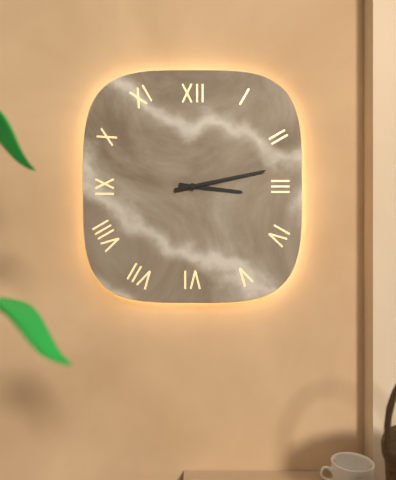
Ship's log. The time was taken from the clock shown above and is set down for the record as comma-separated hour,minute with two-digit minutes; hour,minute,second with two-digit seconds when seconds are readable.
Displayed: 3,13
